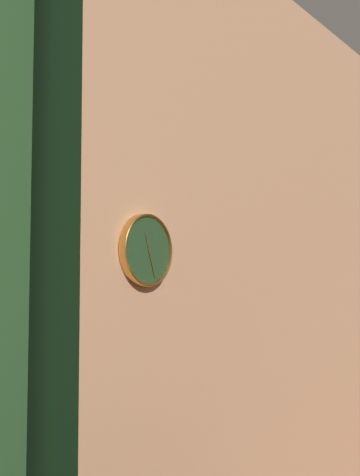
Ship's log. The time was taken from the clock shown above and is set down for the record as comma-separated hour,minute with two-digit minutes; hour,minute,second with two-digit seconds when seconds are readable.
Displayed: 11,27
